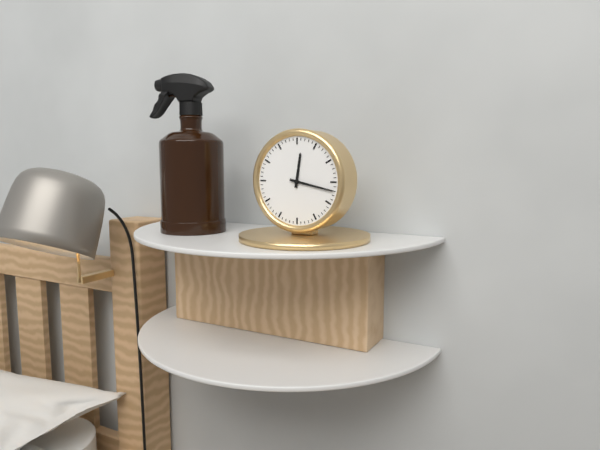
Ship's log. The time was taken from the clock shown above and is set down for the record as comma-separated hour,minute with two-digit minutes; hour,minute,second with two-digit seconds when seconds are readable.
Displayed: 12,17
